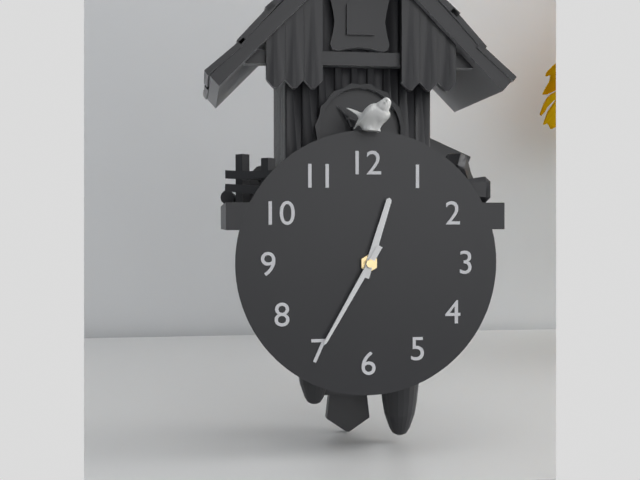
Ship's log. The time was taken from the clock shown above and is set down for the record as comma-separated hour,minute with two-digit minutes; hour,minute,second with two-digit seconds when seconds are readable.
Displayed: 12,35
